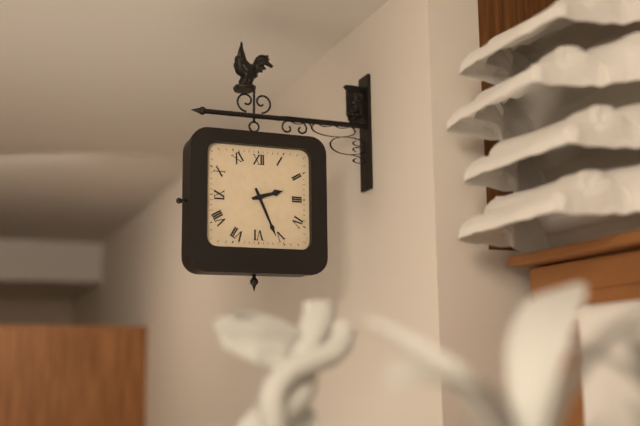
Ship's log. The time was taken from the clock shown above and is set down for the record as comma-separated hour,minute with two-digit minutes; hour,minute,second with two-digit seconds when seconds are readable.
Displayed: 2,26
